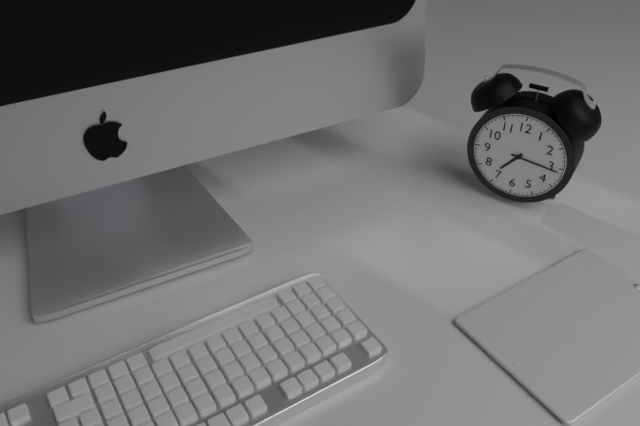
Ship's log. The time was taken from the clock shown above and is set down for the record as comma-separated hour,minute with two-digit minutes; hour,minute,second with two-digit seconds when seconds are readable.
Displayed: 7,16
